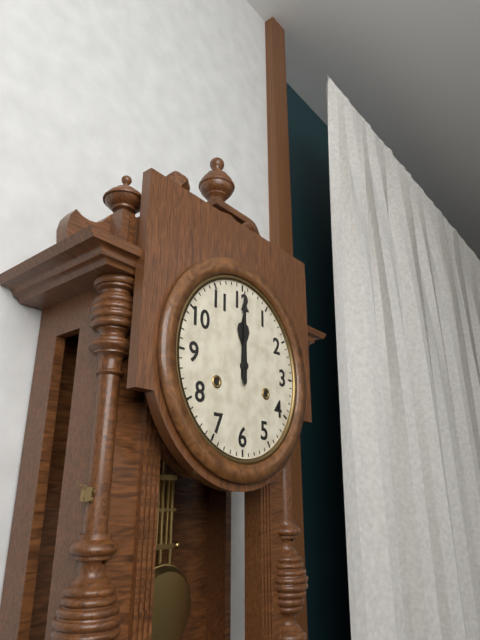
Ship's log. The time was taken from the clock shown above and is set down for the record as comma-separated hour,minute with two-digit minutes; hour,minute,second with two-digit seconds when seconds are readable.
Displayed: 12,00
